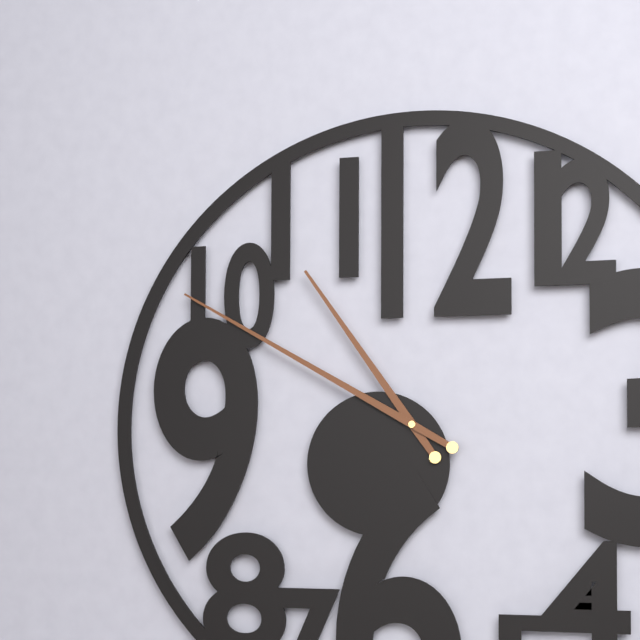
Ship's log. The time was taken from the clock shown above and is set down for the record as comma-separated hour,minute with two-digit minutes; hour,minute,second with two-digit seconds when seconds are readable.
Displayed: 10,50
